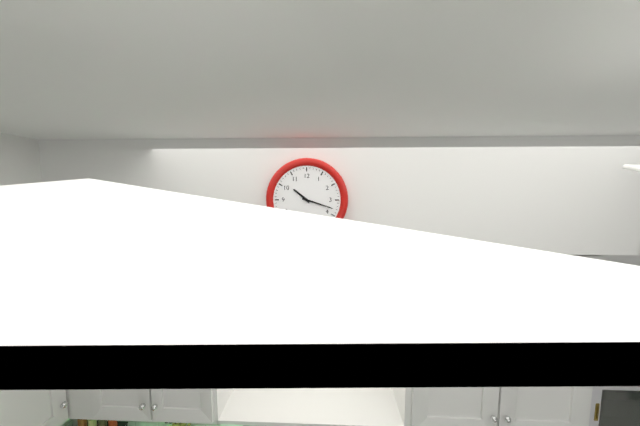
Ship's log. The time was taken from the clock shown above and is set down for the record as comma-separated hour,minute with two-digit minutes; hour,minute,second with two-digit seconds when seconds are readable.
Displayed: 10,18
